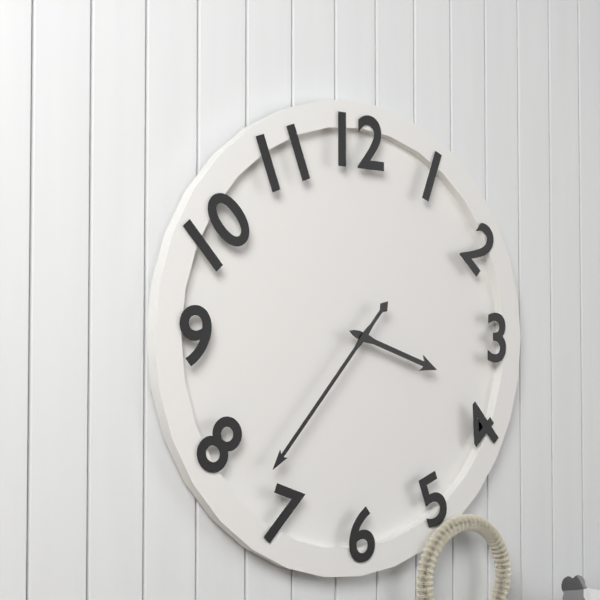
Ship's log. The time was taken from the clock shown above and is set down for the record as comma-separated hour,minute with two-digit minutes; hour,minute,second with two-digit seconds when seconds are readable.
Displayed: 3,37
